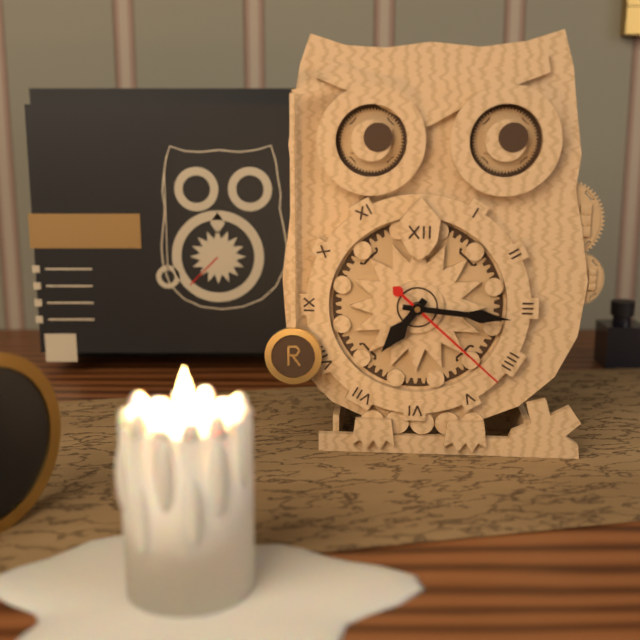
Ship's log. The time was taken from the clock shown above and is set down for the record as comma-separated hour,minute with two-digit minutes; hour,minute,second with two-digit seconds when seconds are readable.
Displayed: 7,16,22
